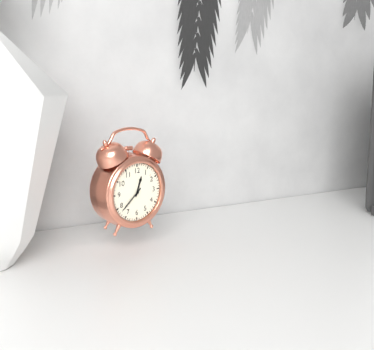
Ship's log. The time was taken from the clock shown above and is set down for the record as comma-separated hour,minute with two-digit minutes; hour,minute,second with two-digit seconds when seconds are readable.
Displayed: 12,38
